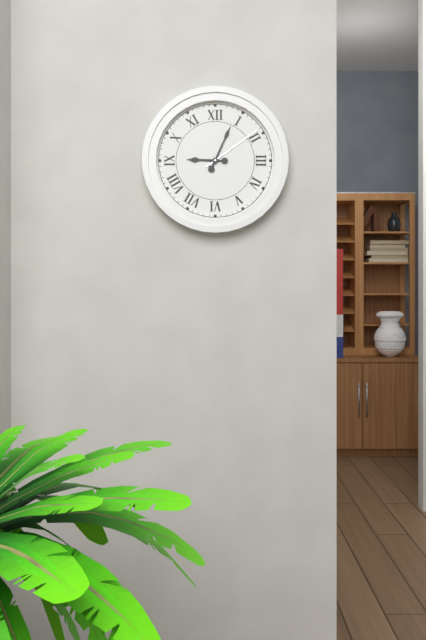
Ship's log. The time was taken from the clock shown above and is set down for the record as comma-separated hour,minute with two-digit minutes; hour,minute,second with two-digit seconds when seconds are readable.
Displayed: 9,04,09
